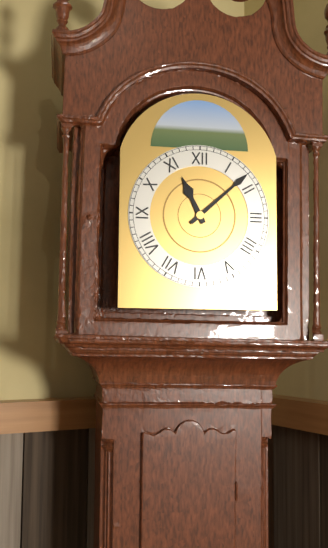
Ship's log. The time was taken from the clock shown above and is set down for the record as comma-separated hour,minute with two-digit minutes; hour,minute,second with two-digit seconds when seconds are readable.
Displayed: 11,08
